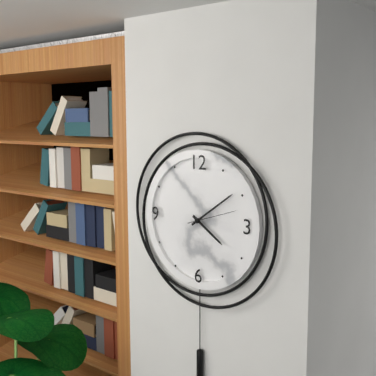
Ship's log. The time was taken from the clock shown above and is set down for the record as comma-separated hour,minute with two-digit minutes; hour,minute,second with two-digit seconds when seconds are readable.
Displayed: 4,09,12
